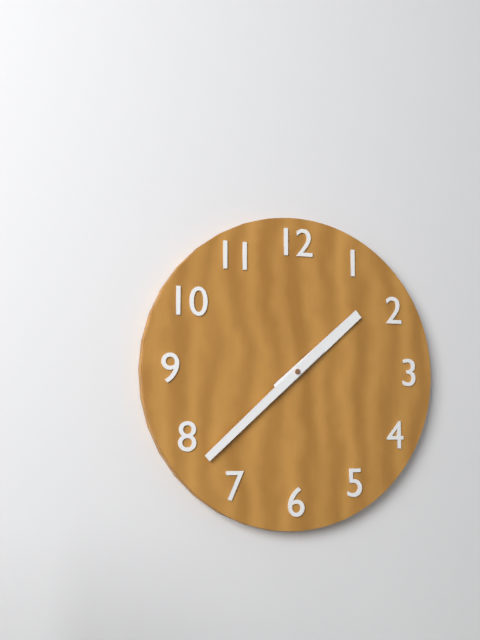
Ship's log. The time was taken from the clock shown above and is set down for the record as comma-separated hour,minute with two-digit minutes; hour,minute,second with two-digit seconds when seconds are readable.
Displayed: 1,38
